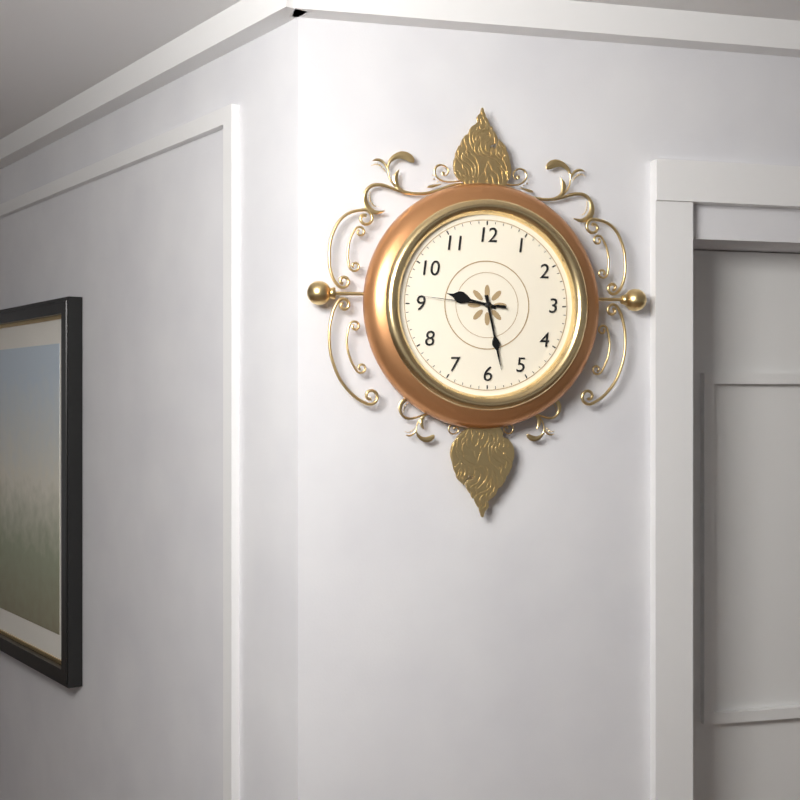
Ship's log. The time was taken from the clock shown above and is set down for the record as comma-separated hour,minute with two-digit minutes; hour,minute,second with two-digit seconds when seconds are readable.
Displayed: 9,28,46
